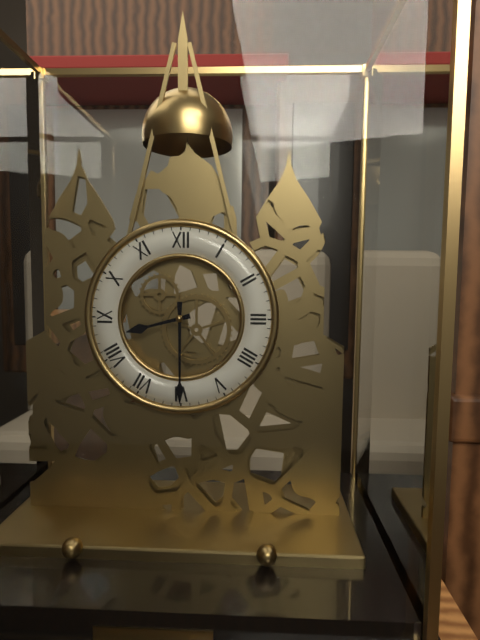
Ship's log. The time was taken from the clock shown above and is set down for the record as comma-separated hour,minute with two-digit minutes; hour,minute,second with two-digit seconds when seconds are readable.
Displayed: 8,30
